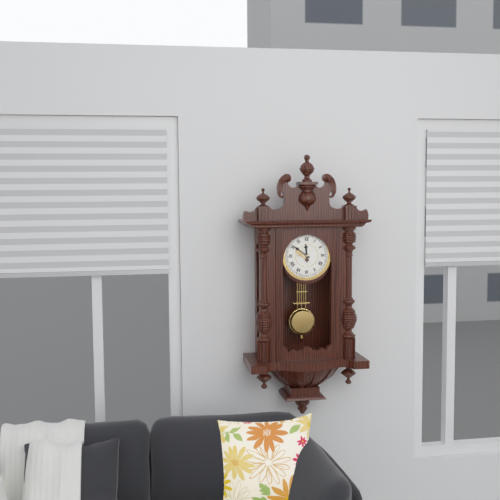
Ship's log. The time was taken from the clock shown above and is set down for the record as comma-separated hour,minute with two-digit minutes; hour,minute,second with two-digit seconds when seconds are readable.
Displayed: 11,51
